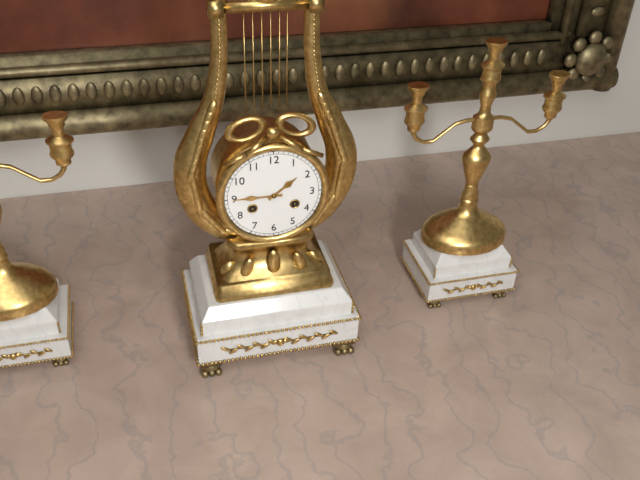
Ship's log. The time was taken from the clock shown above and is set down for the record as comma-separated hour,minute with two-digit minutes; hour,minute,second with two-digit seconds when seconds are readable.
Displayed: 1,45
